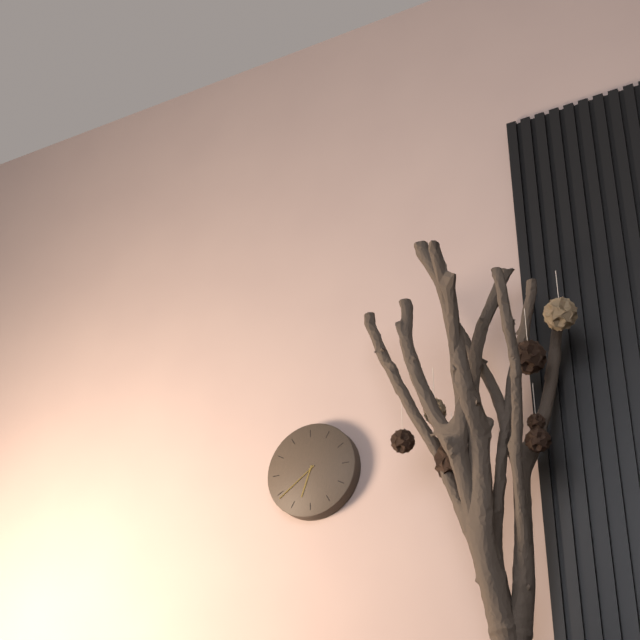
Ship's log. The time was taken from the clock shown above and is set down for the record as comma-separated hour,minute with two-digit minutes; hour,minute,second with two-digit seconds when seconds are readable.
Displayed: 6,39
